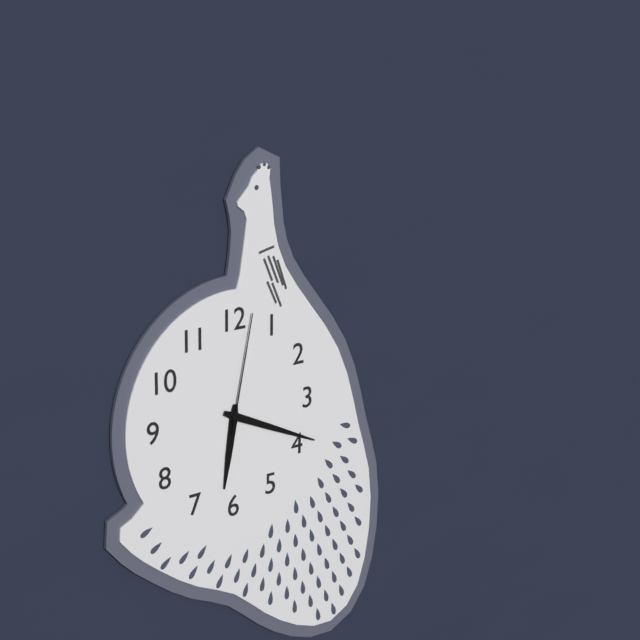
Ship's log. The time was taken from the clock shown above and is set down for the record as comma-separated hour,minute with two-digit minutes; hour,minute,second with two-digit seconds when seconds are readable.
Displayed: 6,19,02
